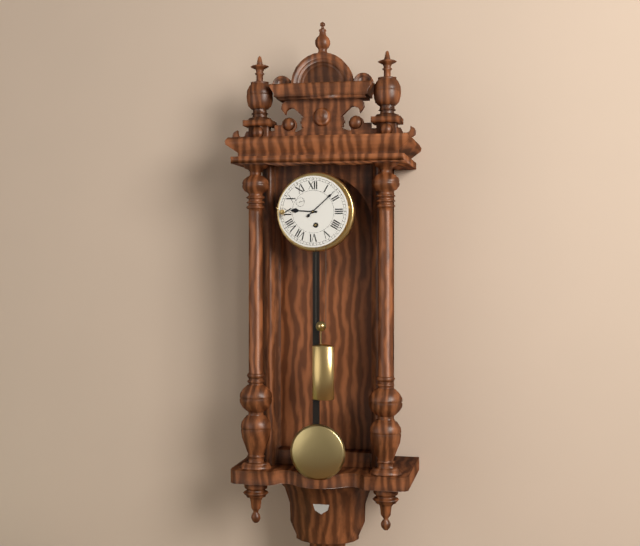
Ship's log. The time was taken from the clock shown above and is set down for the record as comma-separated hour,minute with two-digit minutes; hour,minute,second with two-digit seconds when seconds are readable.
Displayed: 9,08
